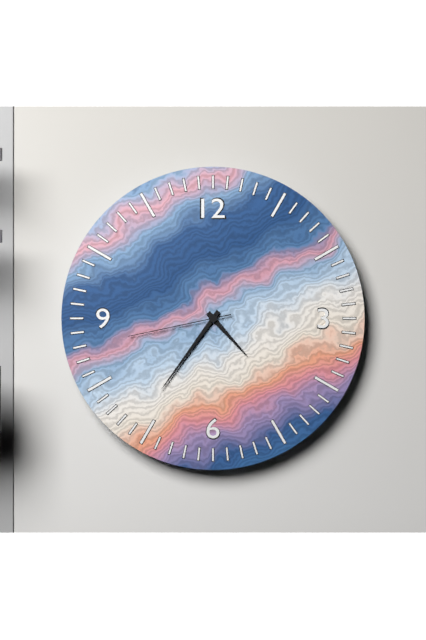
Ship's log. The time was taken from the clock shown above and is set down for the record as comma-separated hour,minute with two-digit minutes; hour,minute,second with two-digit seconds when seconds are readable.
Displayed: 4,36,43
